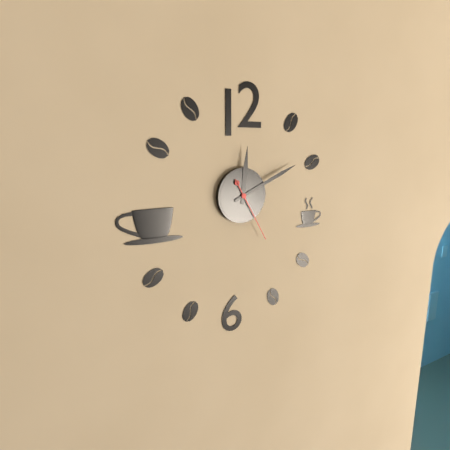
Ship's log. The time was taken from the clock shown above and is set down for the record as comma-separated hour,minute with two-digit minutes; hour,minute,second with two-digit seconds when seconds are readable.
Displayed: 12,11,25
